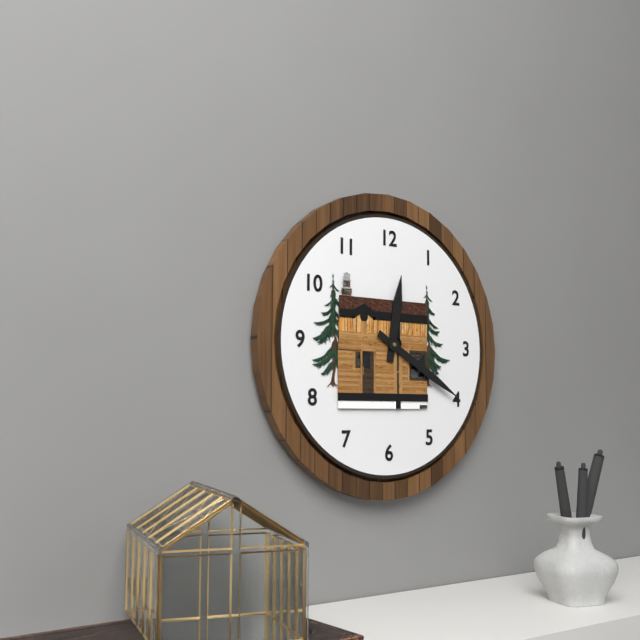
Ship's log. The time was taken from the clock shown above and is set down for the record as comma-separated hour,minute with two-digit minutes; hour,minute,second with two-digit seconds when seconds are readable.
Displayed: 12,20
